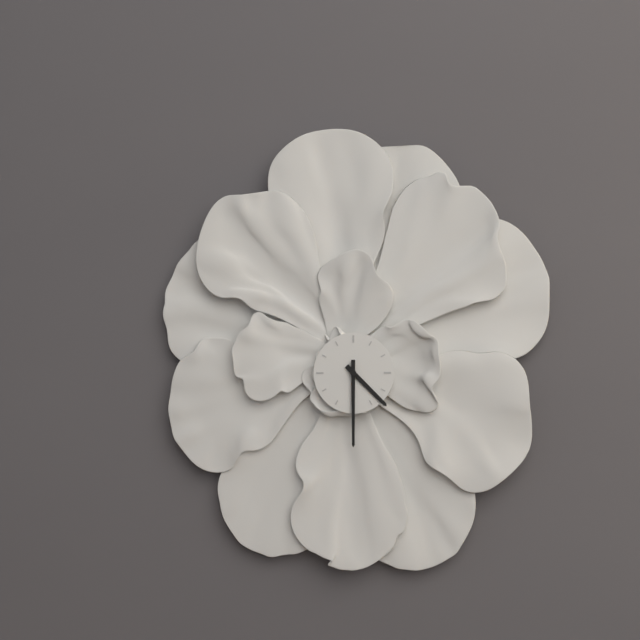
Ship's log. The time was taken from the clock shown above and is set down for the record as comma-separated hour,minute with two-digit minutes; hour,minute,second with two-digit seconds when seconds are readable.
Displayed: 4,30
